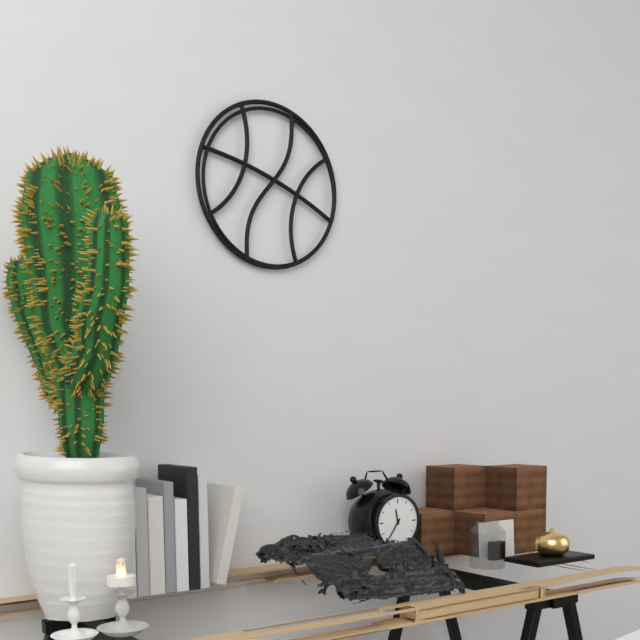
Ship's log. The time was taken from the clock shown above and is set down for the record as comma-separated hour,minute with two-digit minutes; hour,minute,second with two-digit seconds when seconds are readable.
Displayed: 11,36
